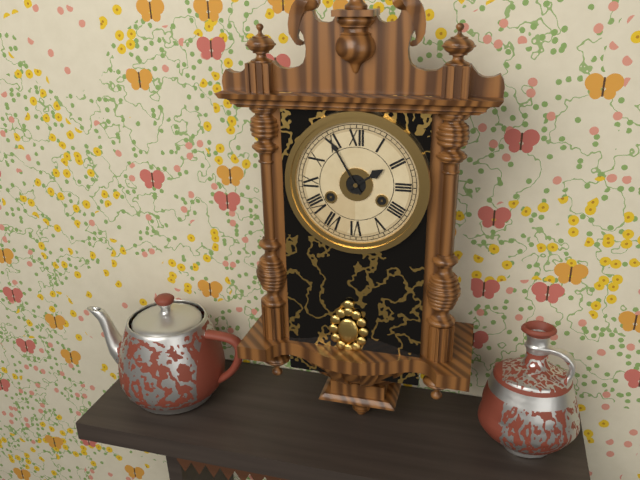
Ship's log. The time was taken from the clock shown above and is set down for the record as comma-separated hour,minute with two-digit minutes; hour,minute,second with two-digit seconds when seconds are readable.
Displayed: 1,55
